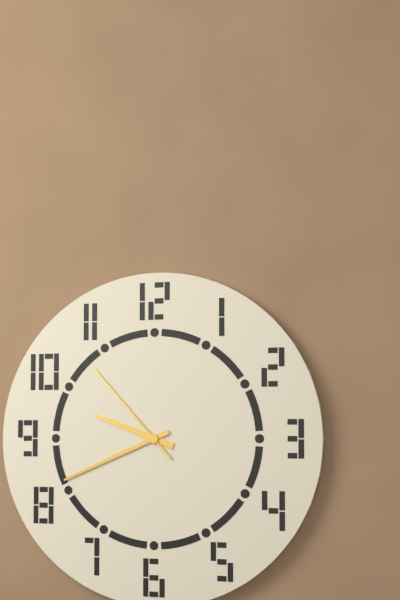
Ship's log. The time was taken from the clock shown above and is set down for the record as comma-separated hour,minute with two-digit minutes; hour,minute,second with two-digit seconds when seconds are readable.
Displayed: 9,41,53
